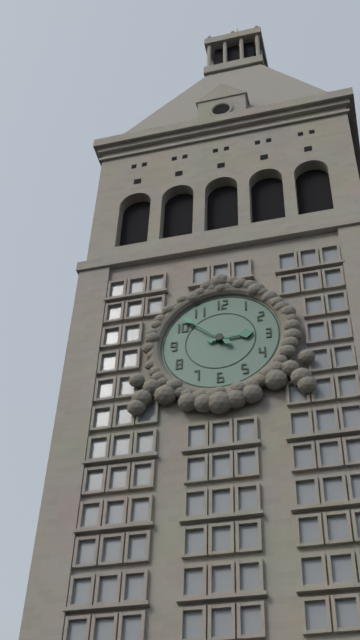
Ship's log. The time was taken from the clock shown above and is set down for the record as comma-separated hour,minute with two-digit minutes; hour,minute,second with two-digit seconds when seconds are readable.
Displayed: 2,52
